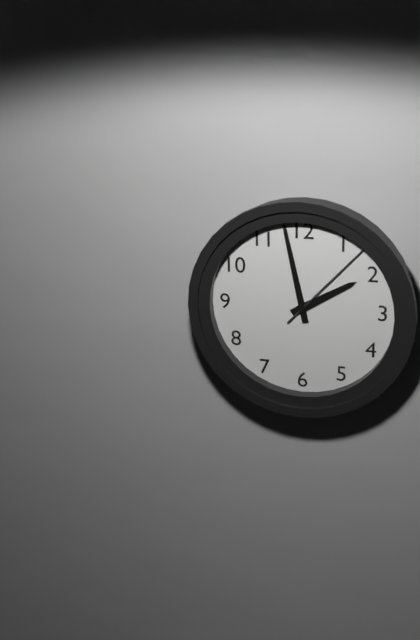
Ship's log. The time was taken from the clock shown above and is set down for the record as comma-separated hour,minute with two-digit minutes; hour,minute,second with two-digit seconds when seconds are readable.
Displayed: 1,58,07
